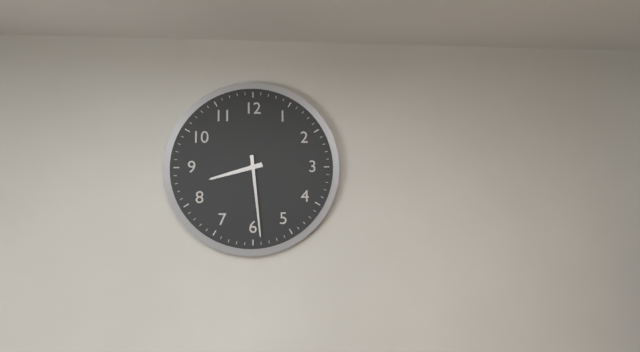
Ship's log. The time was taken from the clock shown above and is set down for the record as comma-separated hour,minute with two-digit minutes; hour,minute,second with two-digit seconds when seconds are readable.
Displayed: 8,29
